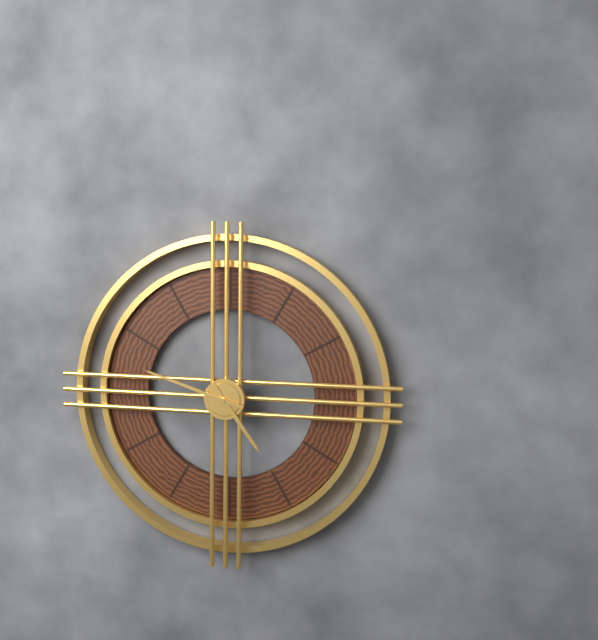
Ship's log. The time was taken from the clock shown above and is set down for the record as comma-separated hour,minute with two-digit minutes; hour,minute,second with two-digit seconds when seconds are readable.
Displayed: 4,48
